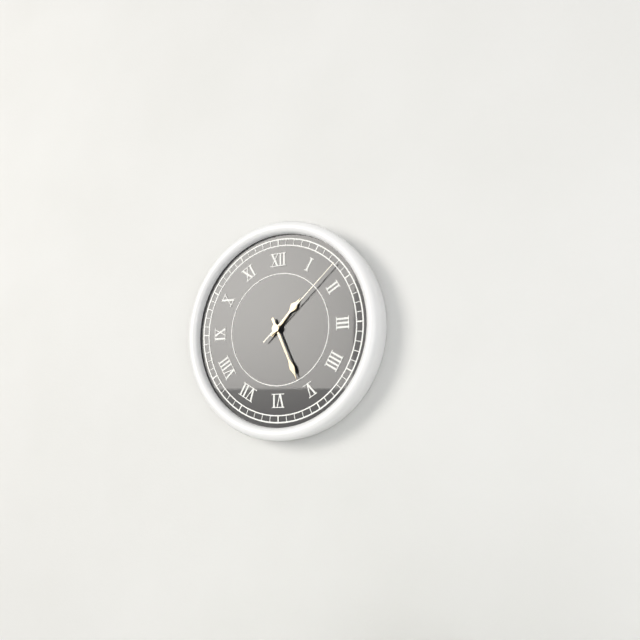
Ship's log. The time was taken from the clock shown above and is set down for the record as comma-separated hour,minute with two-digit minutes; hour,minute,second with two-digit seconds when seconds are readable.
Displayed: 1,26,08
